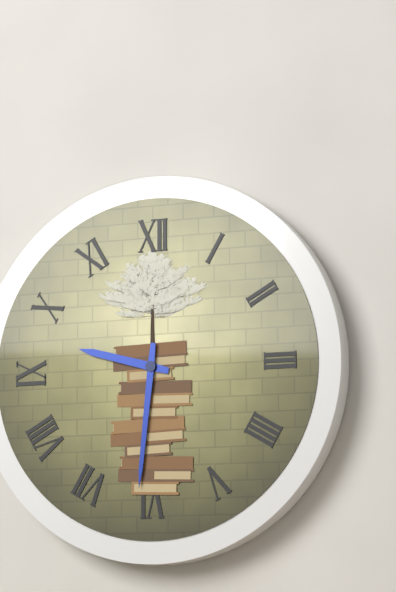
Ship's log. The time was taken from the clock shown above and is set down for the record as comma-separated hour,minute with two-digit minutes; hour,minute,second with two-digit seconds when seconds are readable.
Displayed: 9,31
